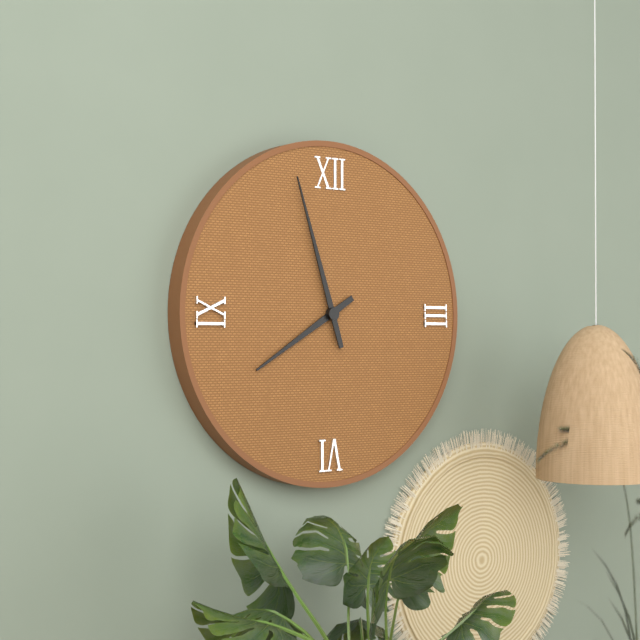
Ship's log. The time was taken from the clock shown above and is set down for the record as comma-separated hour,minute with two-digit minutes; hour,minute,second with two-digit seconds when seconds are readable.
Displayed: 7,57
